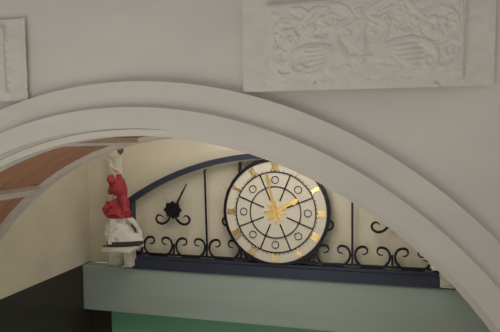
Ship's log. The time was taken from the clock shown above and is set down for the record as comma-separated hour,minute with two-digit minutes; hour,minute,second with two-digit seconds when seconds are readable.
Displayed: 1,58
